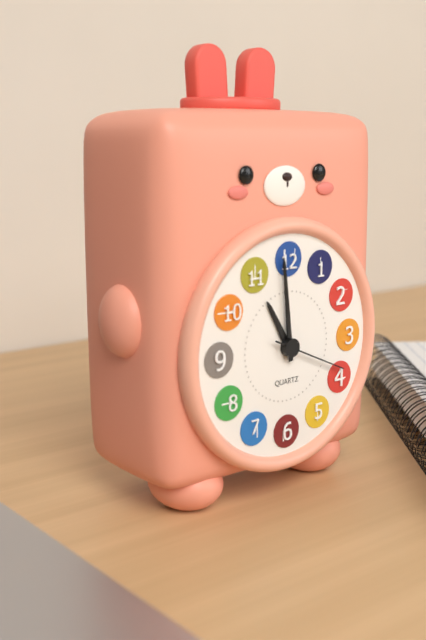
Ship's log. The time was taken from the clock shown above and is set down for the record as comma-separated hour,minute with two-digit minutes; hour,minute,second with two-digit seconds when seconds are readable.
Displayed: 10,59,19
